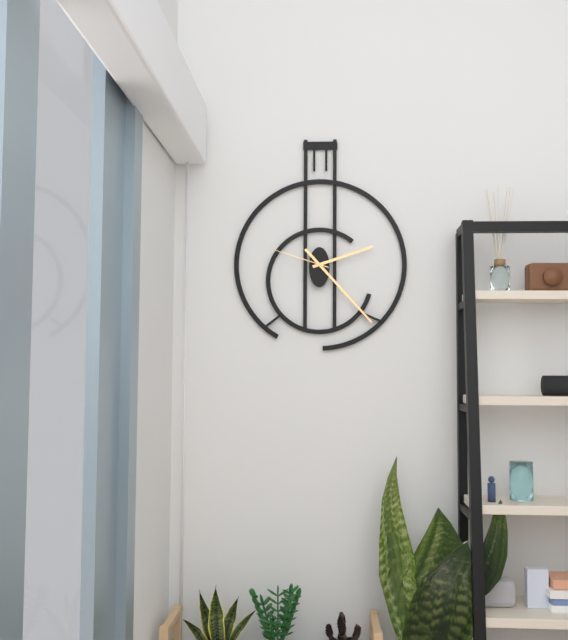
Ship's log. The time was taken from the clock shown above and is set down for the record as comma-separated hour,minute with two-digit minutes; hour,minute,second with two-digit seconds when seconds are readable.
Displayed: 2,23,48
